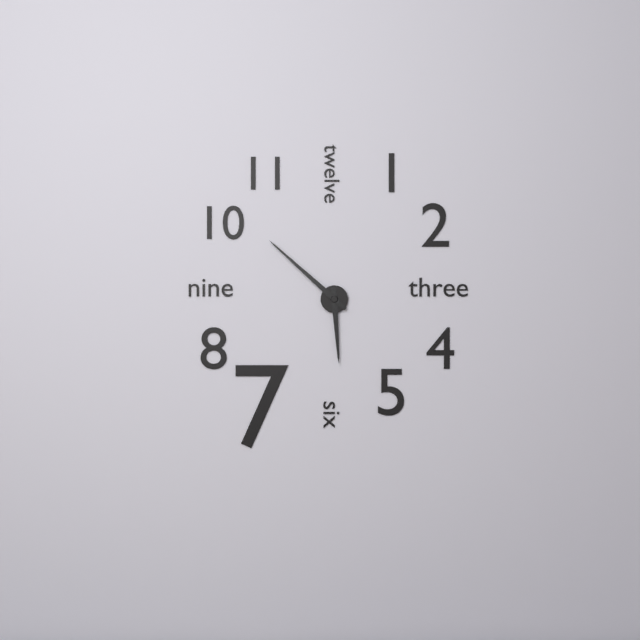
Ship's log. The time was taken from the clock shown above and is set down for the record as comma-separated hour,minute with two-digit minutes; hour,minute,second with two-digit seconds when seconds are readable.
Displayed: 5,52
